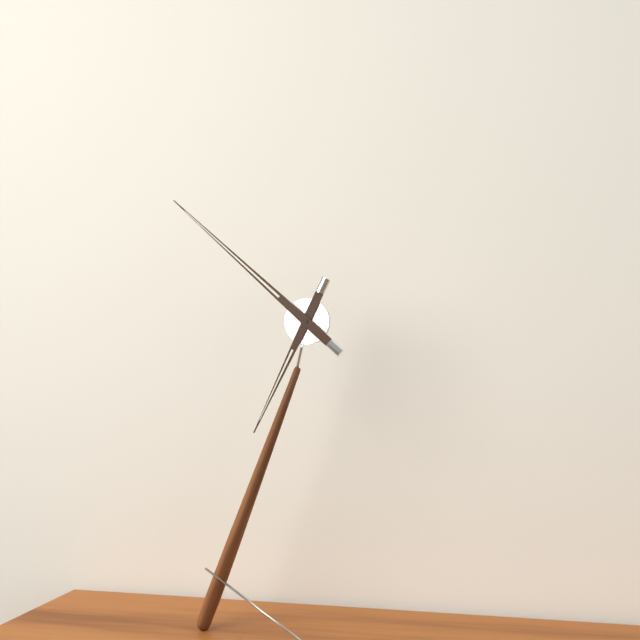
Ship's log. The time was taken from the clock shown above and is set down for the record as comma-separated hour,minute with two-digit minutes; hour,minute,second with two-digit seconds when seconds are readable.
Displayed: 6,52
